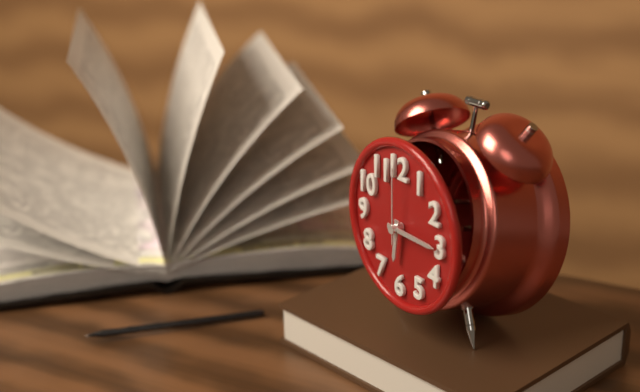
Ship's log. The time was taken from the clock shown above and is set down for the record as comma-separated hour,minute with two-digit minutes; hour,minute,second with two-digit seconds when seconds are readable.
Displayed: 6,15,00
